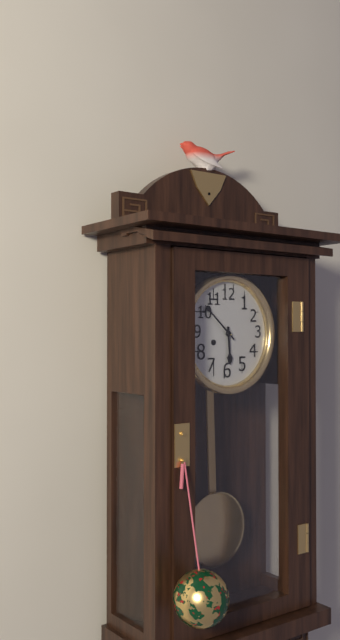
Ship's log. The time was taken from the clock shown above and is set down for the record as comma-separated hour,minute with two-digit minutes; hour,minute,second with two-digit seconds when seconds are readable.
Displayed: 5,52
